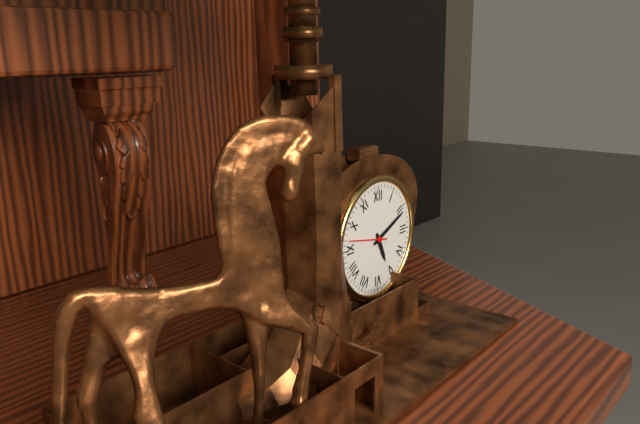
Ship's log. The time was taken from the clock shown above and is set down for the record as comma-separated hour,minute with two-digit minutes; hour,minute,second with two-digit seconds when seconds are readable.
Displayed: 5,11
